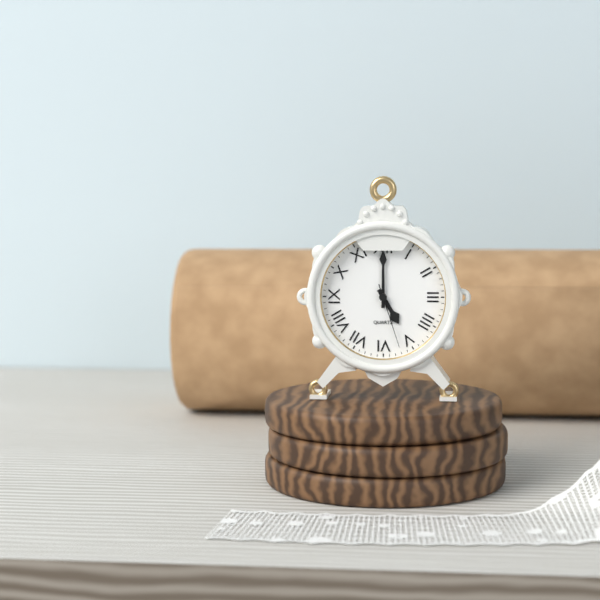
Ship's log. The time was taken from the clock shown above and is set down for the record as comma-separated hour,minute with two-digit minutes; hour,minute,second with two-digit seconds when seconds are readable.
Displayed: 5,00,27
